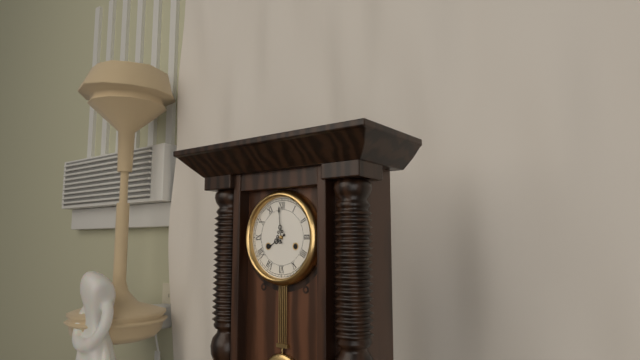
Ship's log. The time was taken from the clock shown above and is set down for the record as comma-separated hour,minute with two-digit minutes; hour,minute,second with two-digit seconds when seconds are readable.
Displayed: 7,59
